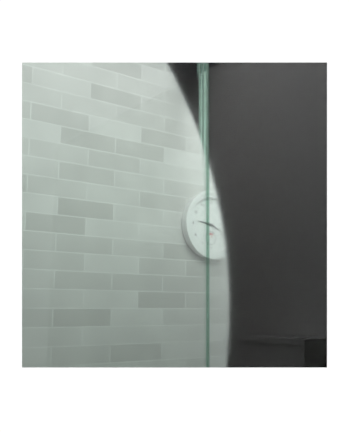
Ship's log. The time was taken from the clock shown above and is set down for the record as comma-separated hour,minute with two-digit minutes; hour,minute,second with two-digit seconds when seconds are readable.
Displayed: 9,19
